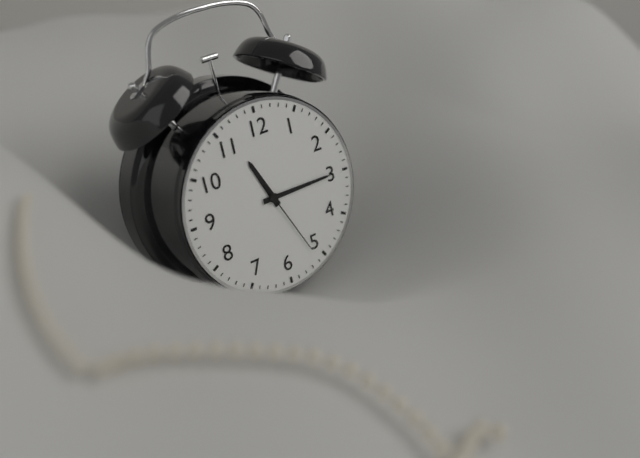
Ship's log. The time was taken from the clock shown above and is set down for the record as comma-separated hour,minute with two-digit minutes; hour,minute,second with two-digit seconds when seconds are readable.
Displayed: 11,15,26
